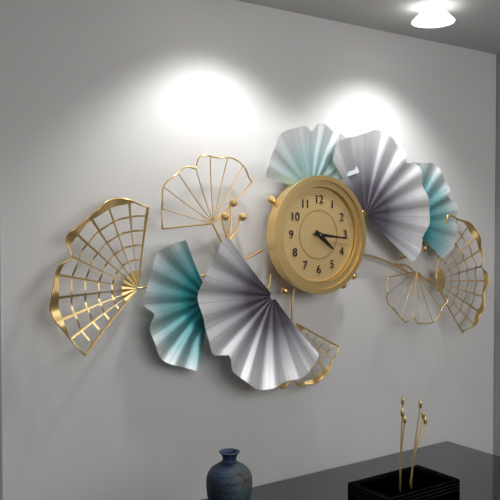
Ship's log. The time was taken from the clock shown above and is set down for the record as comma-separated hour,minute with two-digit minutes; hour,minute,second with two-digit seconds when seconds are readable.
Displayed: 4,16
